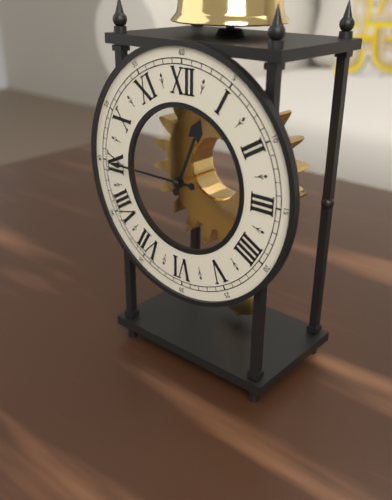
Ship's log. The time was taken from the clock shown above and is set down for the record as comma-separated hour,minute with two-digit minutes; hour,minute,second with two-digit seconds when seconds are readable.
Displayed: 12,45
